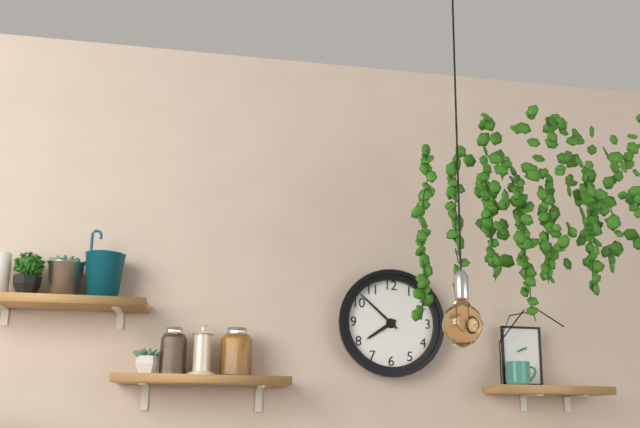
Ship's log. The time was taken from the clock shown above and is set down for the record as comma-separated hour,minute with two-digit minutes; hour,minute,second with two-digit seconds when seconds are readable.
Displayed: 7,52
